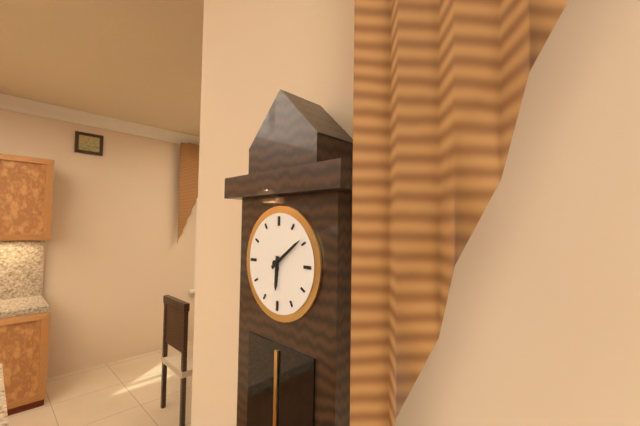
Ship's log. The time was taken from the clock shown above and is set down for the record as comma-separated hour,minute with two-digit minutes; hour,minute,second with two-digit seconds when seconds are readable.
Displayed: 6,09
